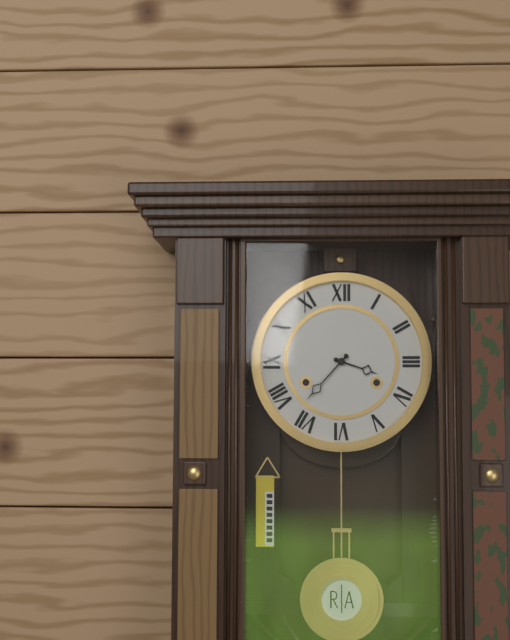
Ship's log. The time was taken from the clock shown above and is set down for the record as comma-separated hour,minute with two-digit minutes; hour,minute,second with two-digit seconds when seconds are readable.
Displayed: 3,37
